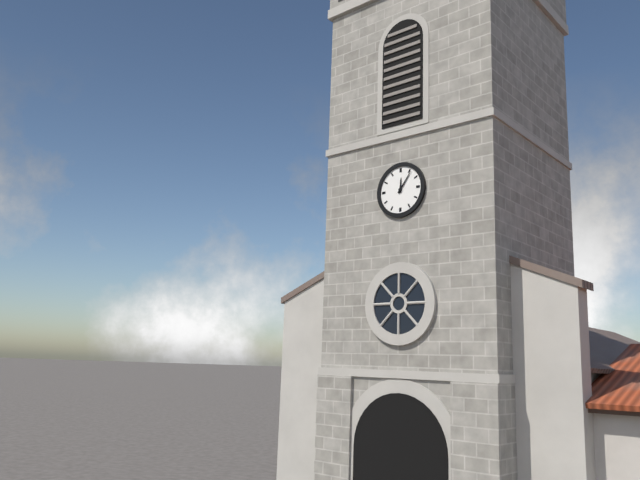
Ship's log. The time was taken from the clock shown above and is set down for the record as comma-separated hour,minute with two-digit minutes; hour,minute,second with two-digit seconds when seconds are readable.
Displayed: 12,06
